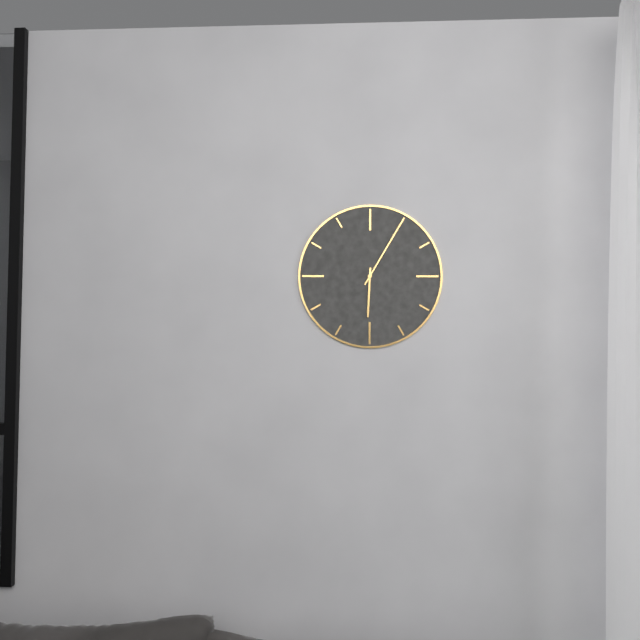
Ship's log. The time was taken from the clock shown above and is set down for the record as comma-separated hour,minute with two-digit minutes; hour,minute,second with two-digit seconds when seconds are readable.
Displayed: 6,05
